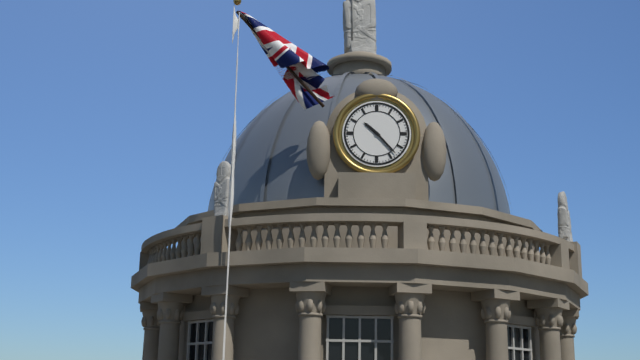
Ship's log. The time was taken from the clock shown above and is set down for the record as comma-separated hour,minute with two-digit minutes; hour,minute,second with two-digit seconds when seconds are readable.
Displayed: 10,23
